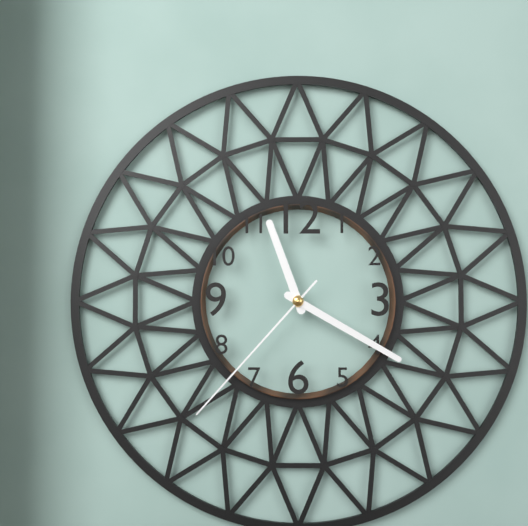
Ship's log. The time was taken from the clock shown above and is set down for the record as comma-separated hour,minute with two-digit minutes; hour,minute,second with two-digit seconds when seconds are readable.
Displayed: 11,20,37
